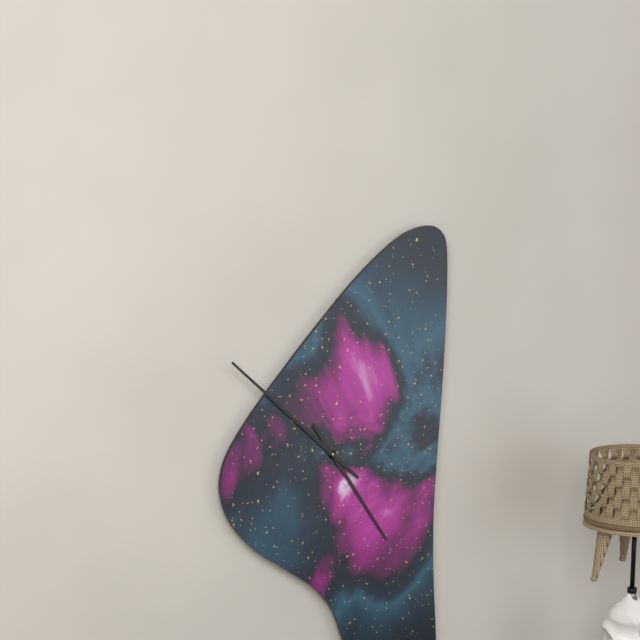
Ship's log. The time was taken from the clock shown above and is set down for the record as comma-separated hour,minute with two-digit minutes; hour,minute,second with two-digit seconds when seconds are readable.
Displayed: 4,52
